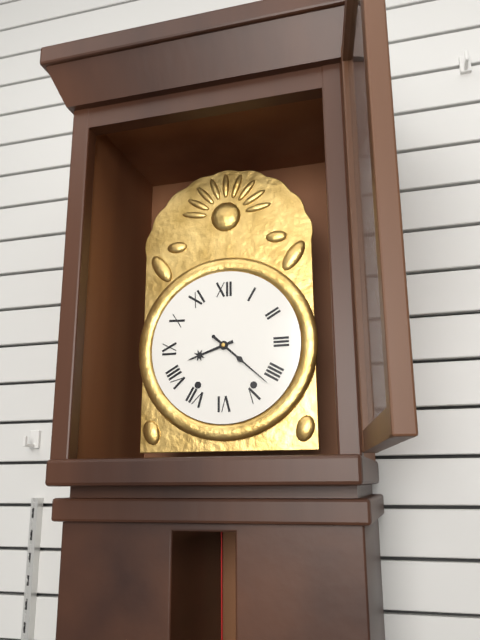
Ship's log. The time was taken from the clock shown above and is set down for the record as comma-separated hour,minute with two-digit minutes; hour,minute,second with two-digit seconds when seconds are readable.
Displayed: 8,22
